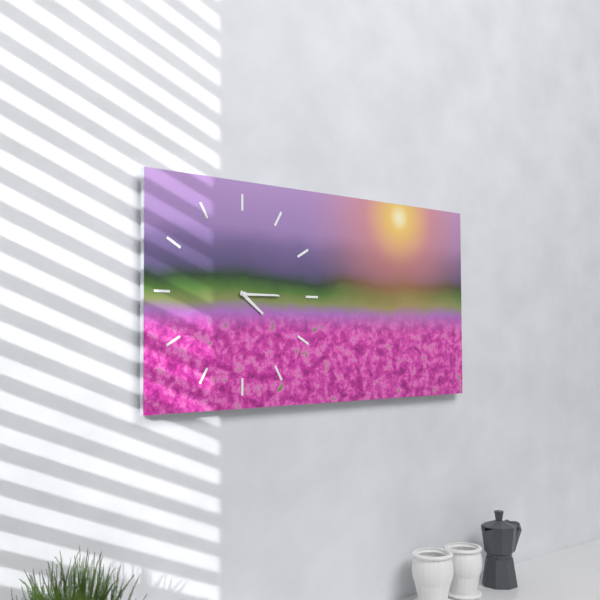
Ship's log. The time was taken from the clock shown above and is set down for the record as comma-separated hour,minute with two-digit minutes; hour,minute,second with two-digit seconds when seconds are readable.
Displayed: 4,15
